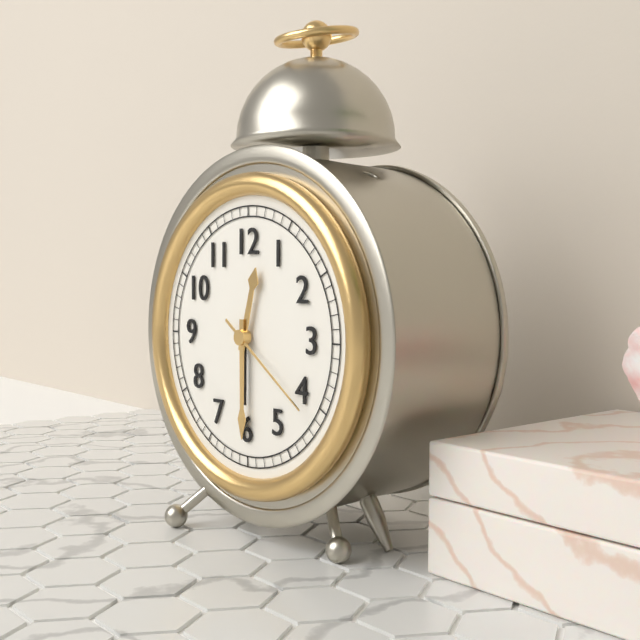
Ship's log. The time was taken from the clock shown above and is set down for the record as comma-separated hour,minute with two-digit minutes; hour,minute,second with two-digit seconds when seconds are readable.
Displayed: 12,30,21
